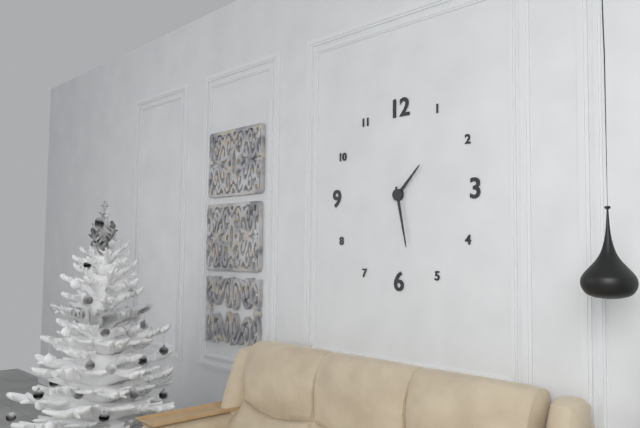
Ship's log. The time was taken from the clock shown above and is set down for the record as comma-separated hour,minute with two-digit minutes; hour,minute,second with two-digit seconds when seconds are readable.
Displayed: 1,28
